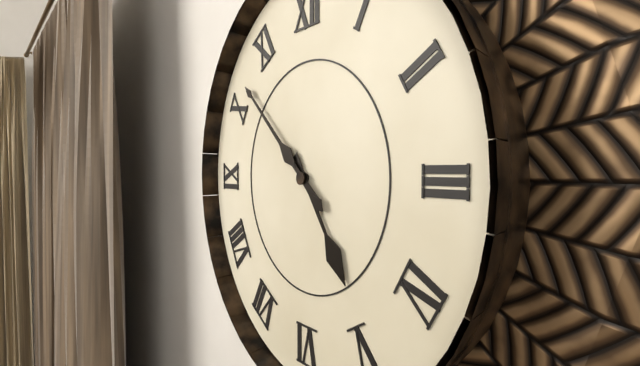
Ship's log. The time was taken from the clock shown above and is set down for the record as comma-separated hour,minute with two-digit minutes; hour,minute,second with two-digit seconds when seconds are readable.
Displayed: 4,52
